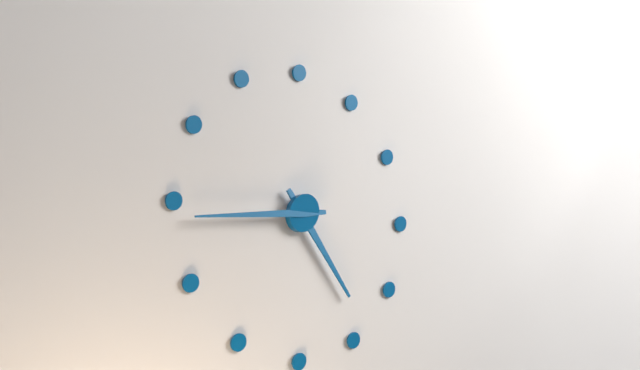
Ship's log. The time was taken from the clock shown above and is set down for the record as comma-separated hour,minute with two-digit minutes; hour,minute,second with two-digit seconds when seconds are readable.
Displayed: 4,44
